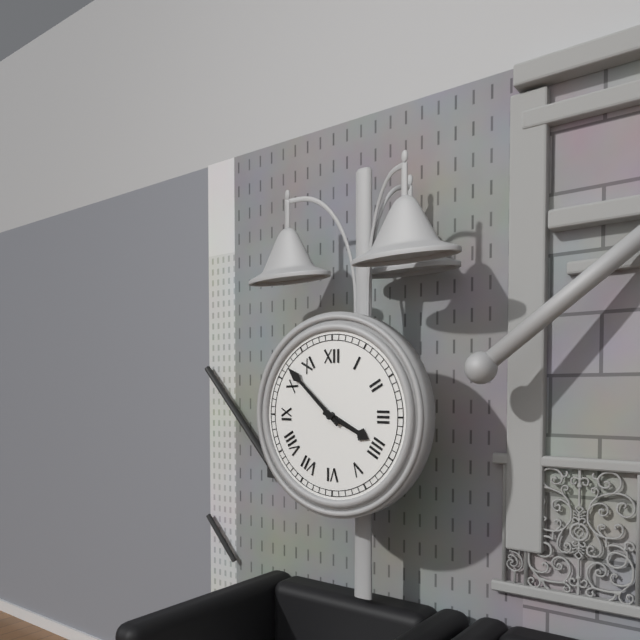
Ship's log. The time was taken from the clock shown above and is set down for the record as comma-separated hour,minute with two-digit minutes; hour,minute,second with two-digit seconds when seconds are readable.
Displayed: 3,52
